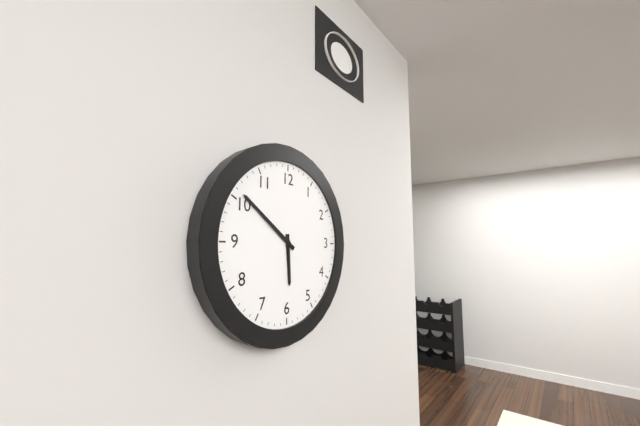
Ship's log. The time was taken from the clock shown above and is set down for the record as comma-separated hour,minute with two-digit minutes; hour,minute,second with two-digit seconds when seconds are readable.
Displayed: 5,51
